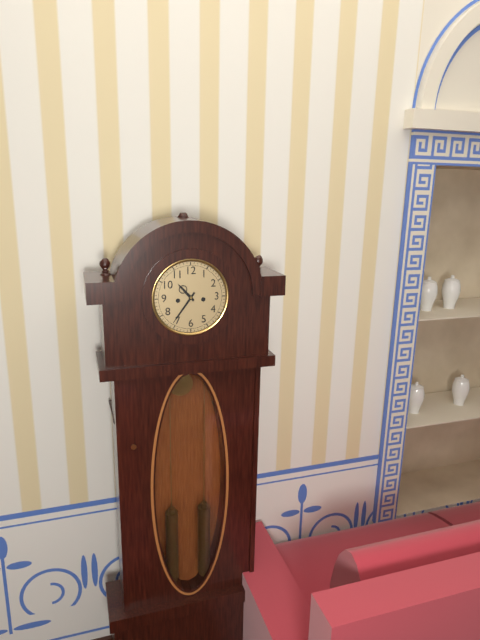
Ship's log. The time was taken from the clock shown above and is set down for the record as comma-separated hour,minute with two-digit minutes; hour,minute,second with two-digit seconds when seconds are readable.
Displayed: 10,36
